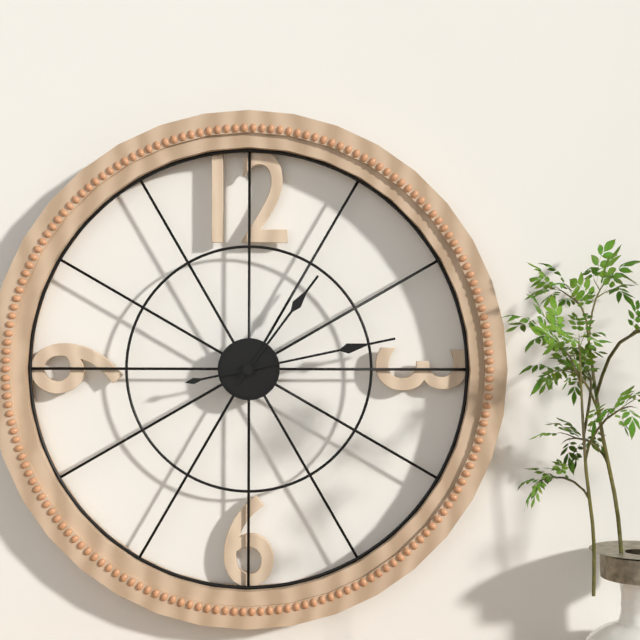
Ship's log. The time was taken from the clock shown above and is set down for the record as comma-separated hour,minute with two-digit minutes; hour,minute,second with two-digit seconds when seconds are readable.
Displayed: 1,13
